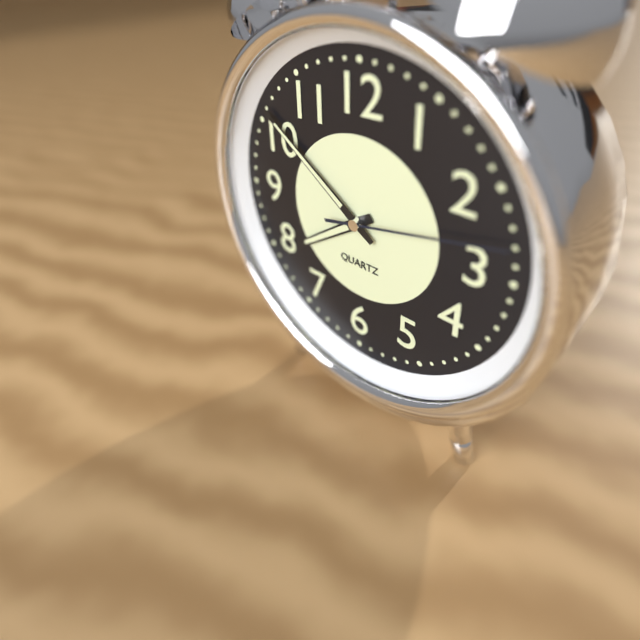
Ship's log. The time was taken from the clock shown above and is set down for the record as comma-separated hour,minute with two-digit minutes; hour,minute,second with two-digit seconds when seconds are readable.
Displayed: 7,51,13
